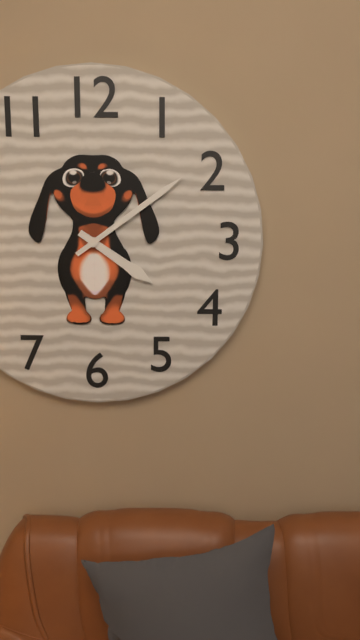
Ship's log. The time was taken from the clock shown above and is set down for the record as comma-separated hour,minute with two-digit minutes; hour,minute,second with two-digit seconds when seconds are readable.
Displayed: 4,09
